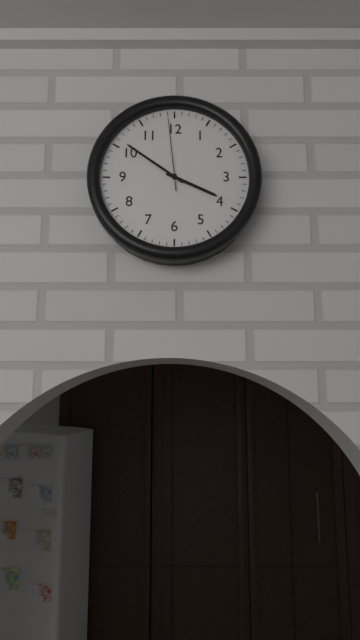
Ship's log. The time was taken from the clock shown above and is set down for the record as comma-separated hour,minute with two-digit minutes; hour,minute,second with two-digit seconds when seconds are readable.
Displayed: 3,51,59
